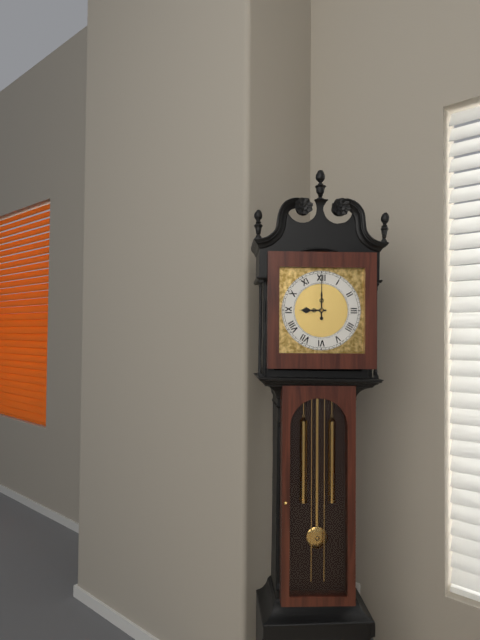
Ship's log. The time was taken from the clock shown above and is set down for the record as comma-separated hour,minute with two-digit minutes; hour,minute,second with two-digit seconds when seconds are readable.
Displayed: 9,00
